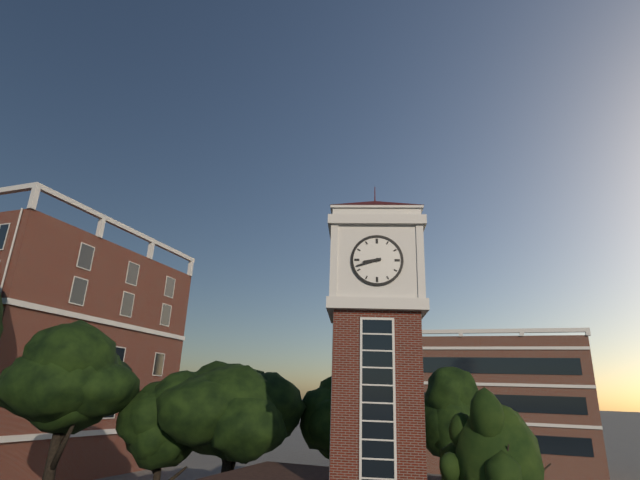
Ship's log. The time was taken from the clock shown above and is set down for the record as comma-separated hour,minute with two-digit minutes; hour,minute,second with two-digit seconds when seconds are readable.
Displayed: 8,42
